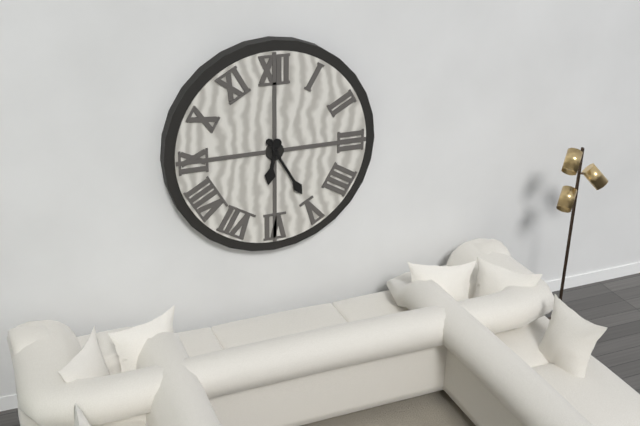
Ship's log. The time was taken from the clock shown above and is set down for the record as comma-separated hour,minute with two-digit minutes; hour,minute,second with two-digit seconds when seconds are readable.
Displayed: 6,25
